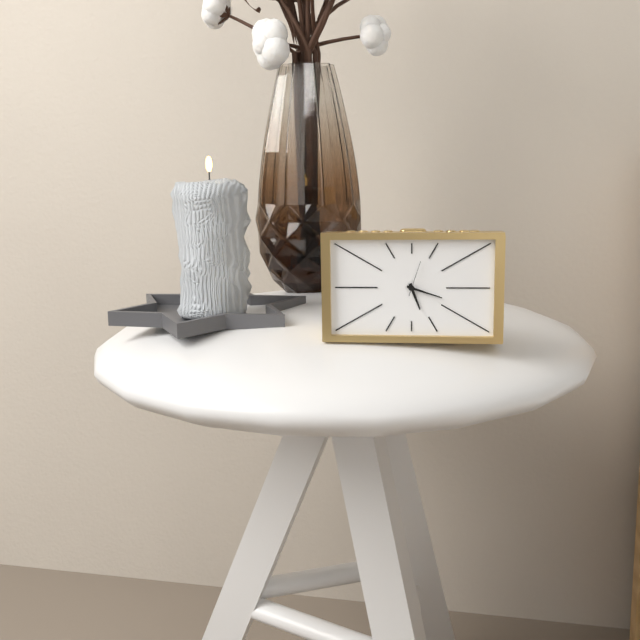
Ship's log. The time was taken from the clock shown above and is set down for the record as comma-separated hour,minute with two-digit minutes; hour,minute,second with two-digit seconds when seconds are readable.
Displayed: 5,18
